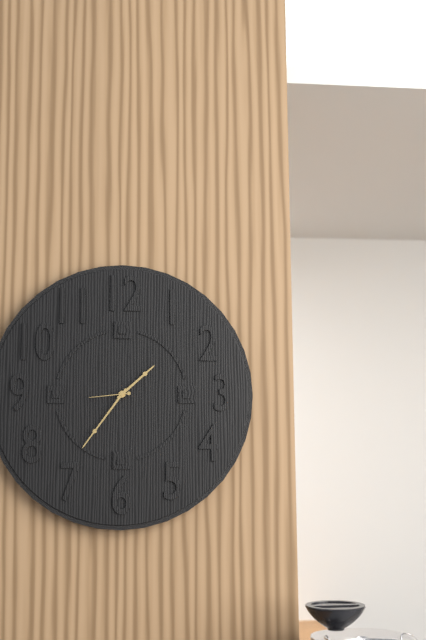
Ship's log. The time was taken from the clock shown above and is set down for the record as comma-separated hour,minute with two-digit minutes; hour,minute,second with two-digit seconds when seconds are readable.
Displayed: 1,36
